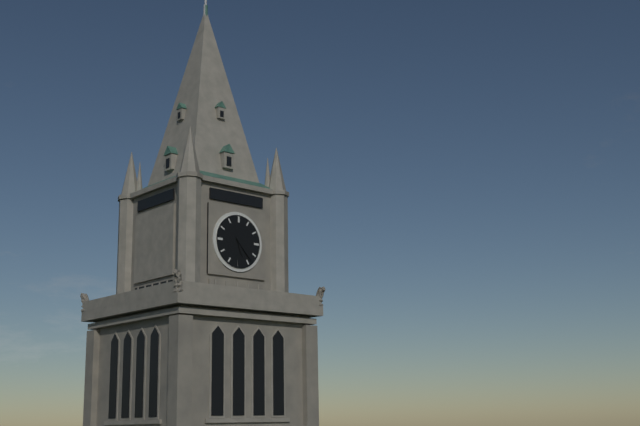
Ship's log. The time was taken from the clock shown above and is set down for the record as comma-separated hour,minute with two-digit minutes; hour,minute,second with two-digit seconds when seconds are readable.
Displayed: 5,23
